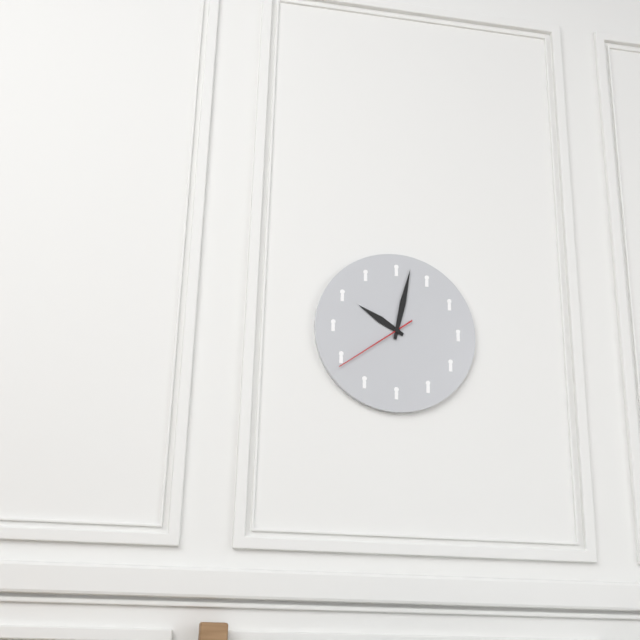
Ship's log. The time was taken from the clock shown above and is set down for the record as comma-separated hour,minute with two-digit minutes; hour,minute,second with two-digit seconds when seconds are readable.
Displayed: 10,02,39
